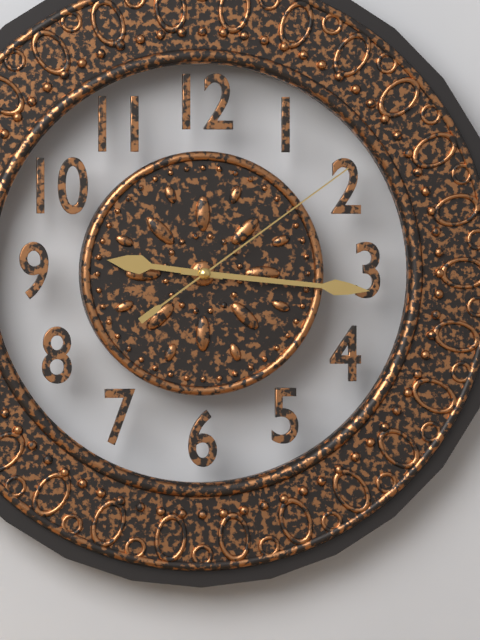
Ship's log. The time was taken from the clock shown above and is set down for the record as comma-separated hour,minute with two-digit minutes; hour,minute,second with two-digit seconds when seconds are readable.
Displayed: 9,16,09
